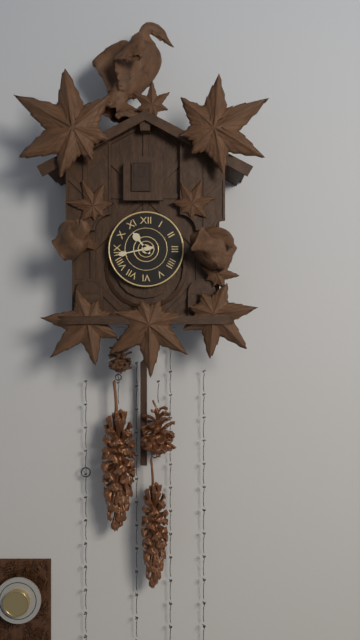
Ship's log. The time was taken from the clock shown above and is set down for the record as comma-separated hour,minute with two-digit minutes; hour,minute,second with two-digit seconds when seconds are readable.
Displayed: 10,43
